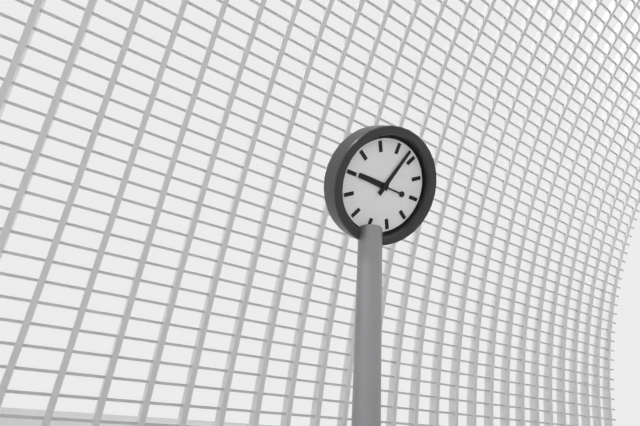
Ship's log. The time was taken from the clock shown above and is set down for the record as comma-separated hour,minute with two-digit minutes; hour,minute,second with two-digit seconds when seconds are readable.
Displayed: 9,03
